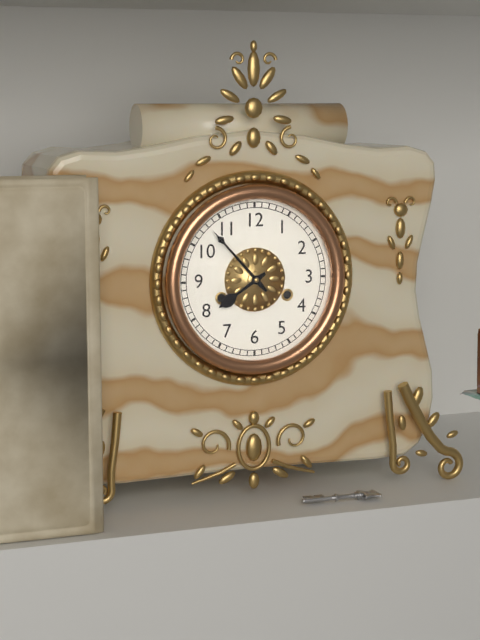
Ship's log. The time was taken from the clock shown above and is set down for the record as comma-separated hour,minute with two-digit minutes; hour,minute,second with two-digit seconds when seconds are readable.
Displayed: 7,53
